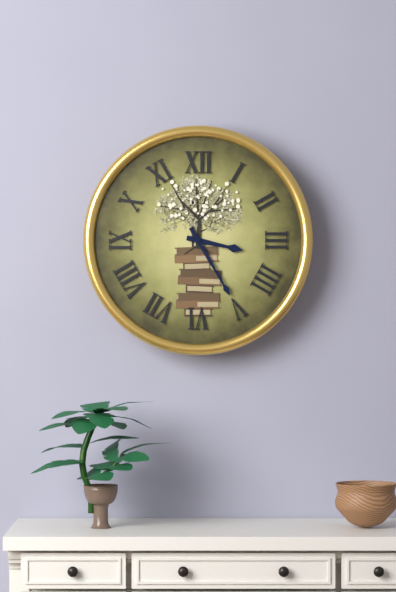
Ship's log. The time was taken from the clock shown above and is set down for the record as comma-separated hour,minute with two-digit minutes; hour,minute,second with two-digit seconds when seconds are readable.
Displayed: 3,25
